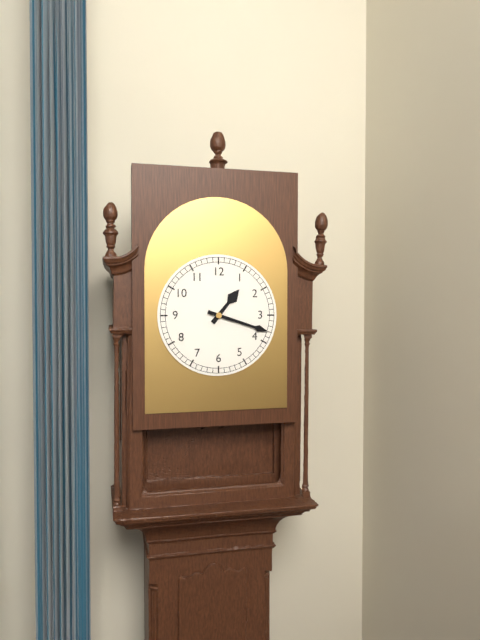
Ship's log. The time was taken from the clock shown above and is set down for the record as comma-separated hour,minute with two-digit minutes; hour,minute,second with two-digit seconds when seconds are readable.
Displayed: 1,18
